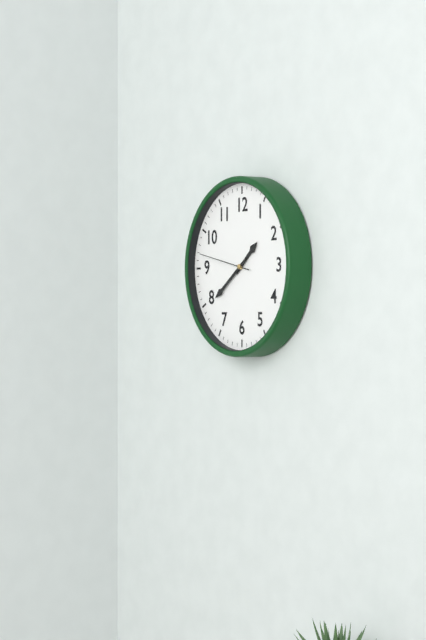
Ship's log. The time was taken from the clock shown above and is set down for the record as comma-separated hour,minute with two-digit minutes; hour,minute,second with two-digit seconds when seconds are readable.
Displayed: 1,39,47
